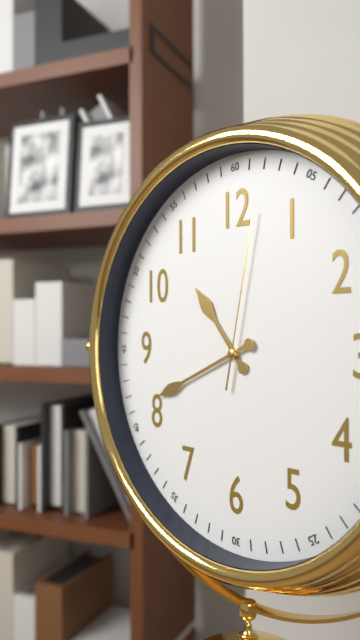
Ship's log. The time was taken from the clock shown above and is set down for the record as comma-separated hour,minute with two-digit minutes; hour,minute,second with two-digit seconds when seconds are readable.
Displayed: 10,41,02
